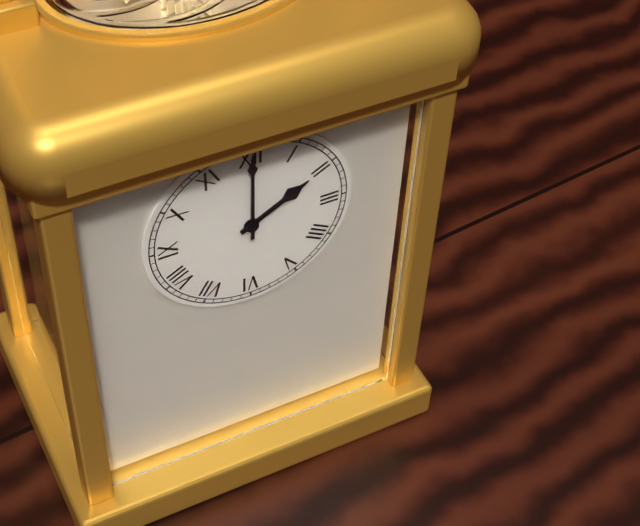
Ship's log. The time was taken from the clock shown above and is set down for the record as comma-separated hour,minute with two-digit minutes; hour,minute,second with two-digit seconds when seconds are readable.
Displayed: 2,00
